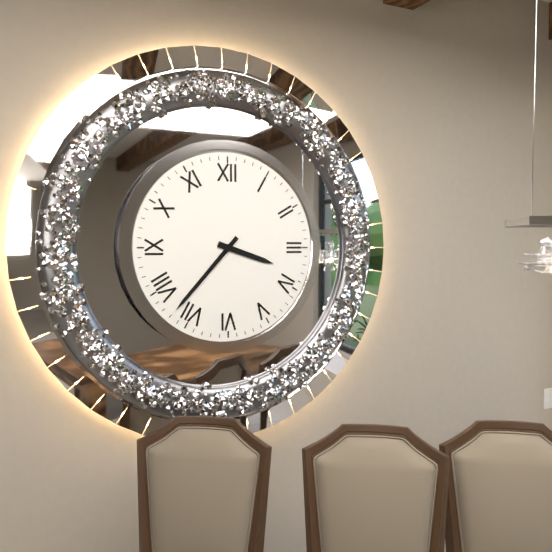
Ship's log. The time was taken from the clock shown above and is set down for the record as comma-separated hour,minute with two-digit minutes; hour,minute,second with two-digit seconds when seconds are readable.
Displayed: 3,37
